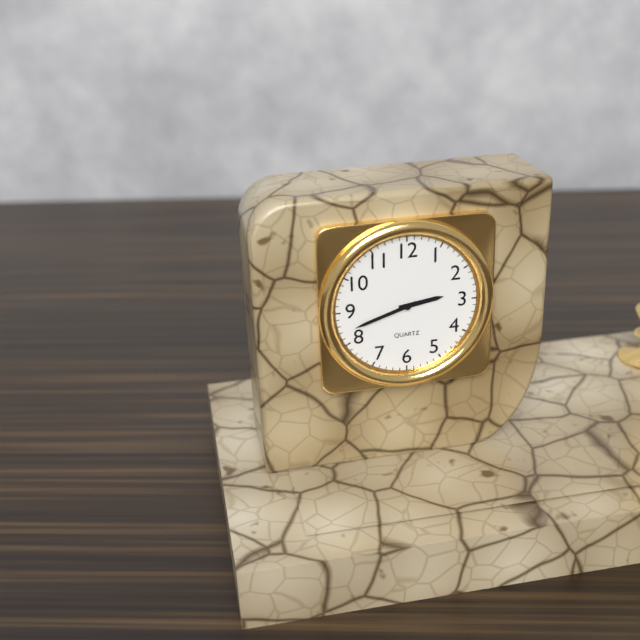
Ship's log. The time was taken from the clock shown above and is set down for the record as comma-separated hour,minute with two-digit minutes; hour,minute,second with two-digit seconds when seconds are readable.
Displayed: 2,42
